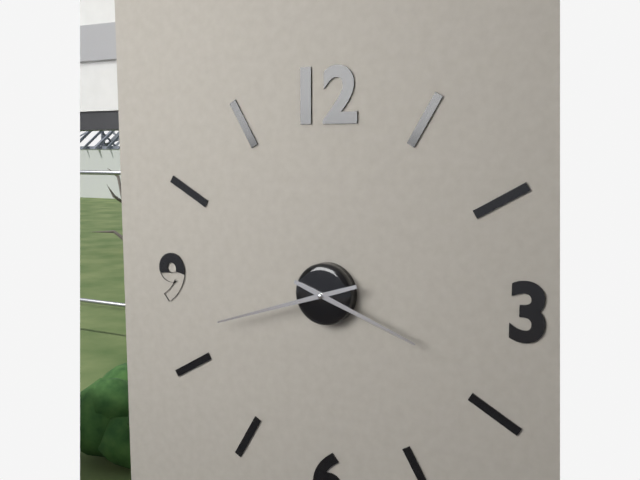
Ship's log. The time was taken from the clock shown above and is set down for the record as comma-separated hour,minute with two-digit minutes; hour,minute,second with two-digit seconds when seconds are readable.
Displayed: 3,42
